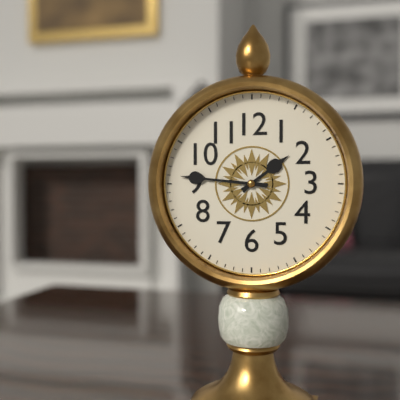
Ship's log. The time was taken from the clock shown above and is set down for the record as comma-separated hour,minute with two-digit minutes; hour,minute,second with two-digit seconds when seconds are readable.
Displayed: 1,46
